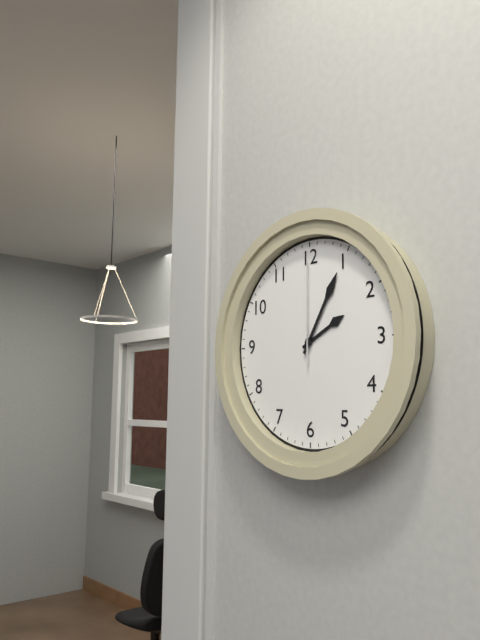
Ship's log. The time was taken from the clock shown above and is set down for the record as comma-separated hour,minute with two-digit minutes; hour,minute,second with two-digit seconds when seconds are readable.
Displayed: 2,05,00
